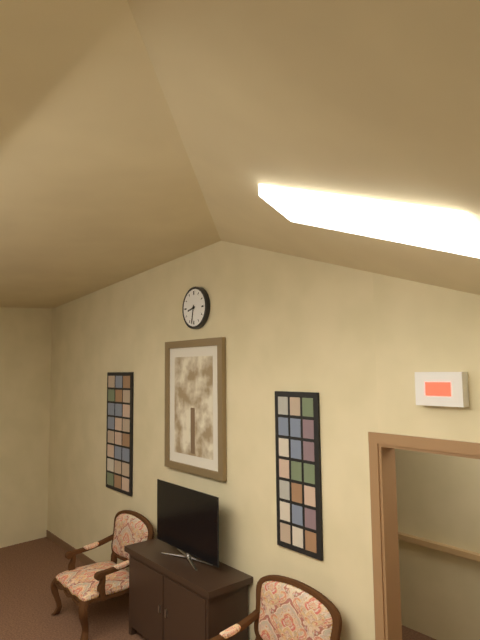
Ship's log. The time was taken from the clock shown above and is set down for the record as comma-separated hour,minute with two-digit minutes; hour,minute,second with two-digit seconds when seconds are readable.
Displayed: 8,32
